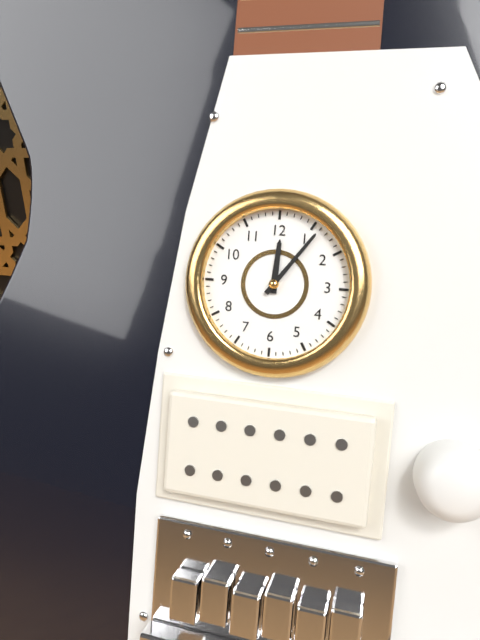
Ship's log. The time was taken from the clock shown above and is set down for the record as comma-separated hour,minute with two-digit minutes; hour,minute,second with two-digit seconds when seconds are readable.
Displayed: 12,06
